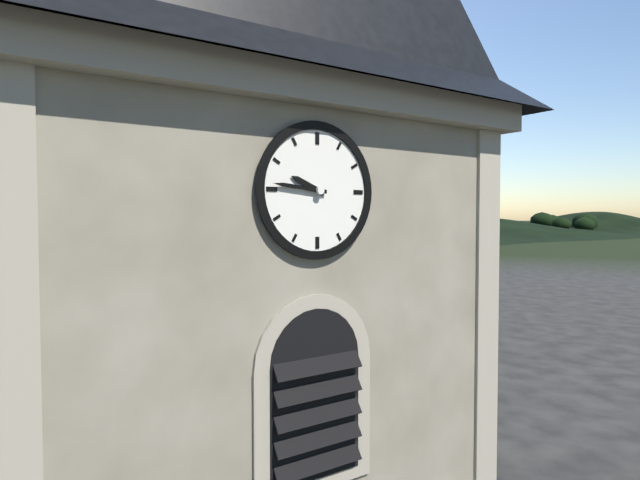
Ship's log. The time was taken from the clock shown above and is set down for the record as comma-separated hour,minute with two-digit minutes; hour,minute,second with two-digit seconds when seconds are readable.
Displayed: 9,46
